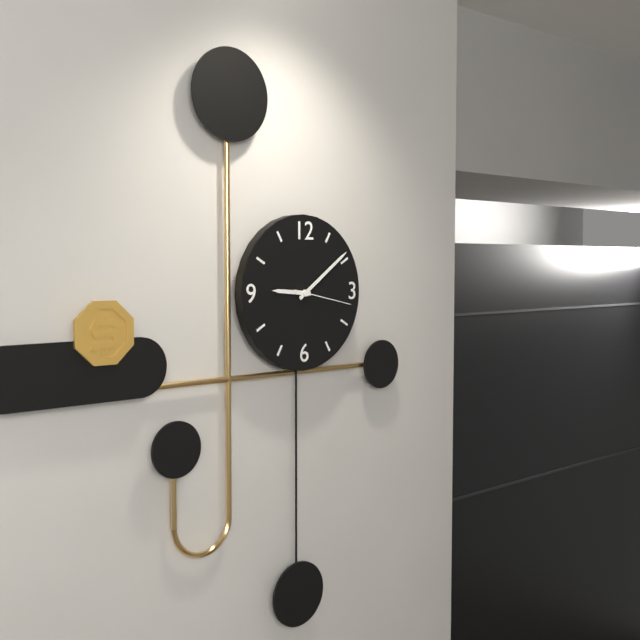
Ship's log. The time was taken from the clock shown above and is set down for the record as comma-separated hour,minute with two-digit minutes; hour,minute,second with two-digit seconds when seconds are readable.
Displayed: 9,09,17
